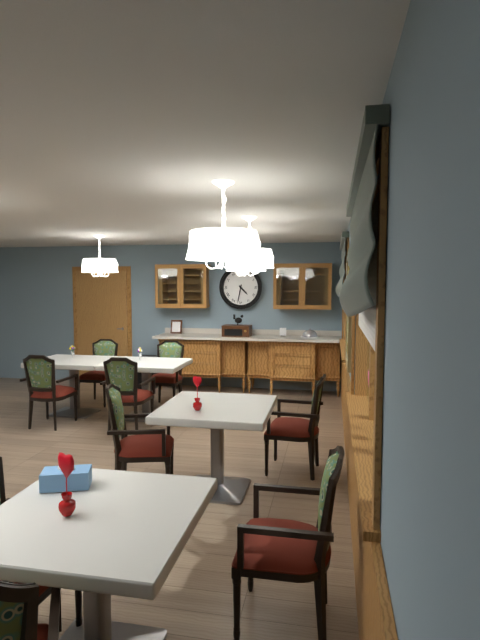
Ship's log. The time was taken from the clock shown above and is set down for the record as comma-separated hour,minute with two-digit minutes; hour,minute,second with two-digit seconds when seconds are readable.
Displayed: 4,32
